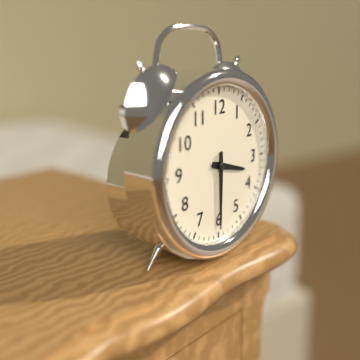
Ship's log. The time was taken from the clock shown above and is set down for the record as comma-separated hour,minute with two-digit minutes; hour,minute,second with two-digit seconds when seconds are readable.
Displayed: 3,30
